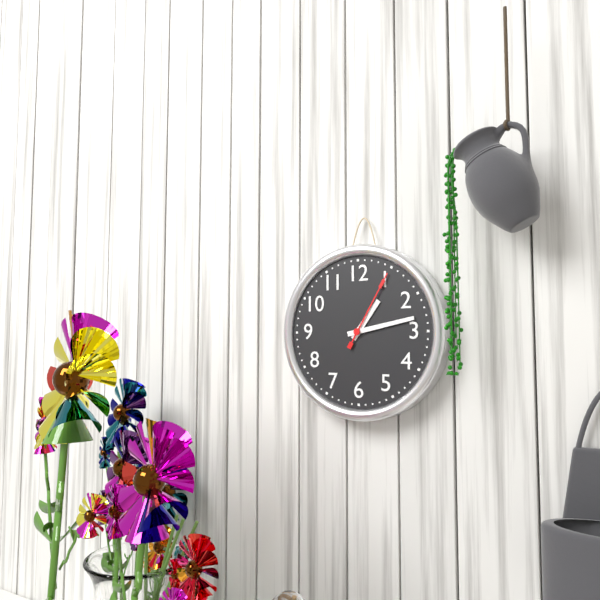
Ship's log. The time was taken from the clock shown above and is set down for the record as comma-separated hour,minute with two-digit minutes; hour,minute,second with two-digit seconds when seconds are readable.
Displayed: 1,13,05
